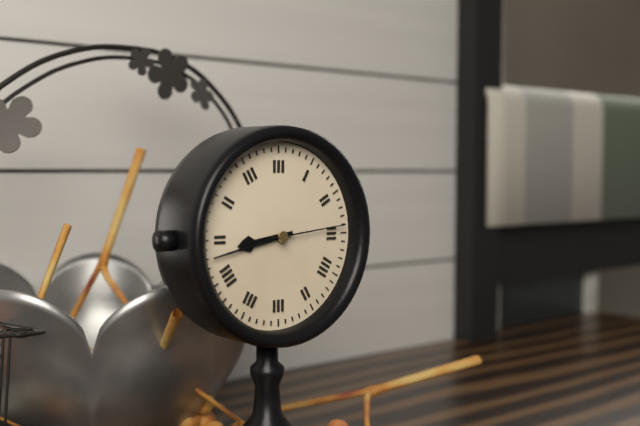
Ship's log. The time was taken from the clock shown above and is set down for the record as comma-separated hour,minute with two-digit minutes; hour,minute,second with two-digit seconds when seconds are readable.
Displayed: 8,43,14
